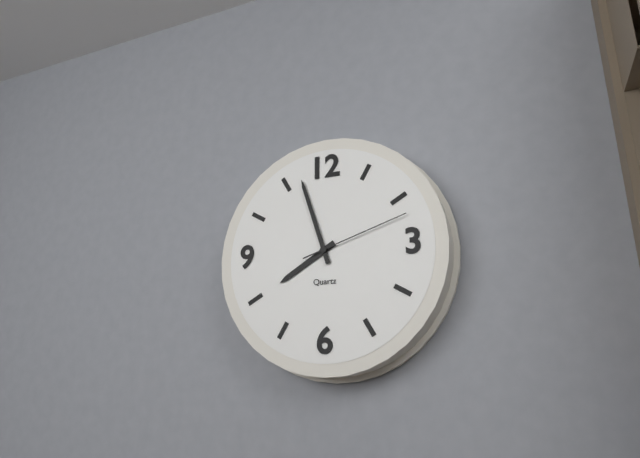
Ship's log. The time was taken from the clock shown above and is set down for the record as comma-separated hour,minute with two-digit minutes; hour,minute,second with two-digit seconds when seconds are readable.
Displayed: 7,57,12
